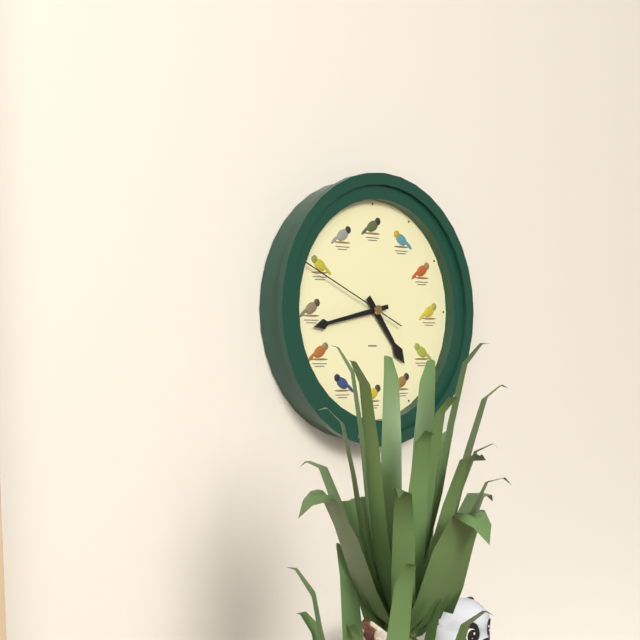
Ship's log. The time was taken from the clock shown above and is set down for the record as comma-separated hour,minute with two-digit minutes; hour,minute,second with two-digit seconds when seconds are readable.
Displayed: 4,43,49
